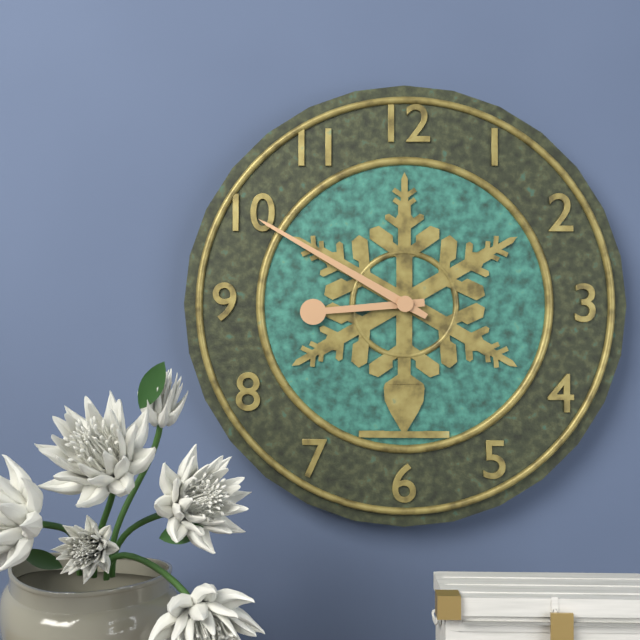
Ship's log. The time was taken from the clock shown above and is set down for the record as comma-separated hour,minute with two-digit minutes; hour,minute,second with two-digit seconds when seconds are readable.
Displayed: 8,50
